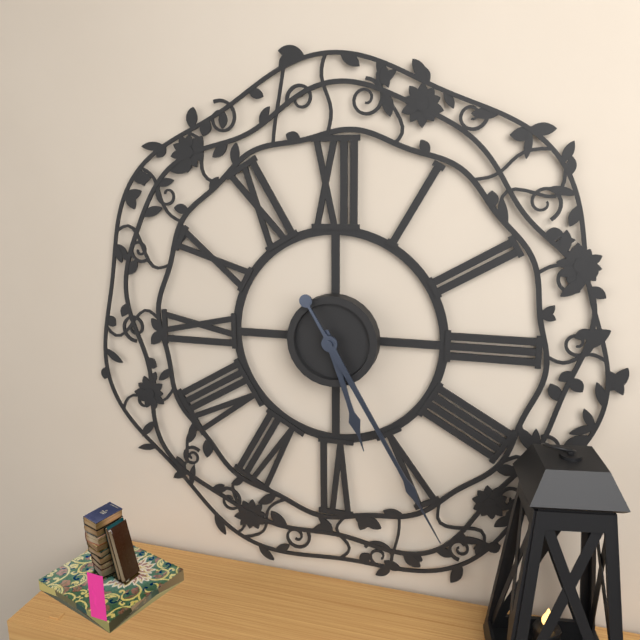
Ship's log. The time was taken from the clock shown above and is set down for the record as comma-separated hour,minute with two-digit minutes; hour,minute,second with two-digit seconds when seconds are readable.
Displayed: 5,25
